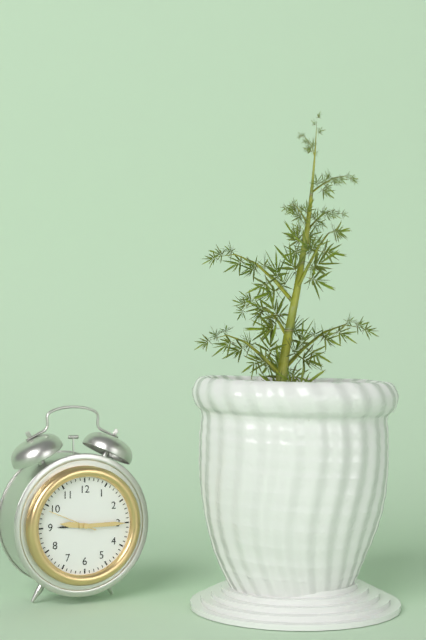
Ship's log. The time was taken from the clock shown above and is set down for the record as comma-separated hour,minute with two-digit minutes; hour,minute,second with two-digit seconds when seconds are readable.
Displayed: 9,15
